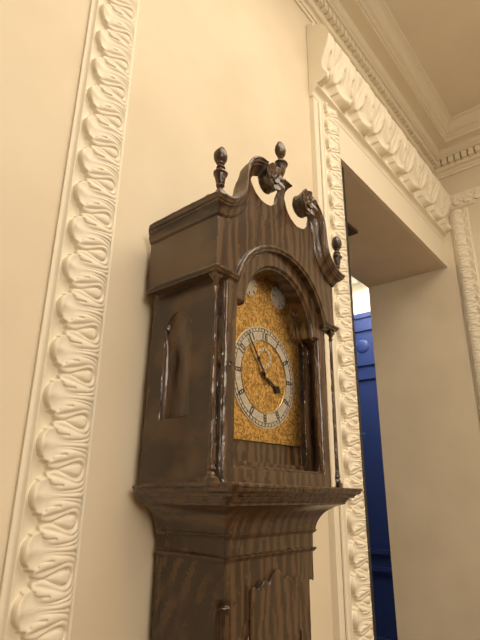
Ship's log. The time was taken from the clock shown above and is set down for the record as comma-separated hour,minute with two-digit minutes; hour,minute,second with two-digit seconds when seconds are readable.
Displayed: 3,54
